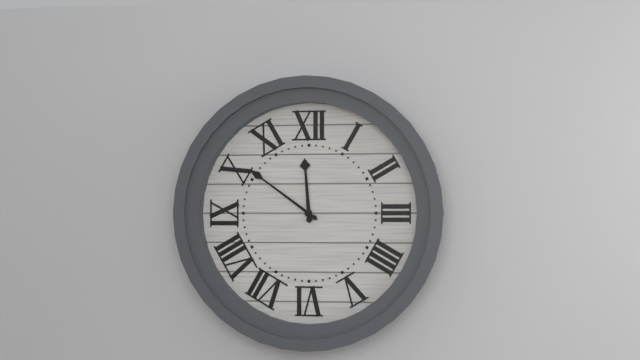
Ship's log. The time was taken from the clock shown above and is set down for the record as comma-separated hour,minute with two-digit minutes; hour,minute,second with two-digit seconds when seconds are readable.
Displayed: 11,51
